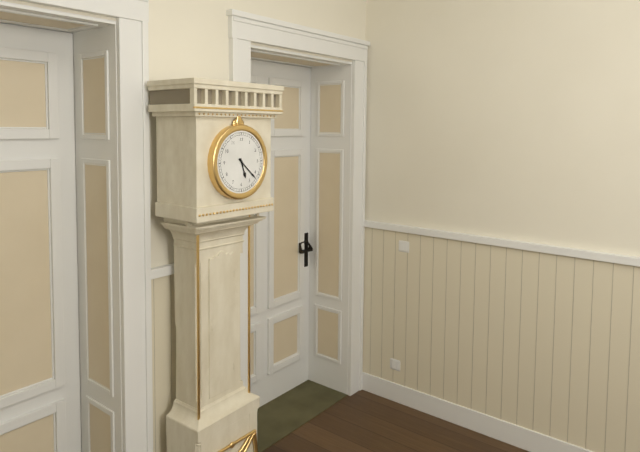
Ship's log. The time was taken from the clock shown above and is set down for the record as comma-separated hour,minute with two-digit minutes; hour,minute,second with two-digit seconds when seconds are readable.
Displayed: 5,22
